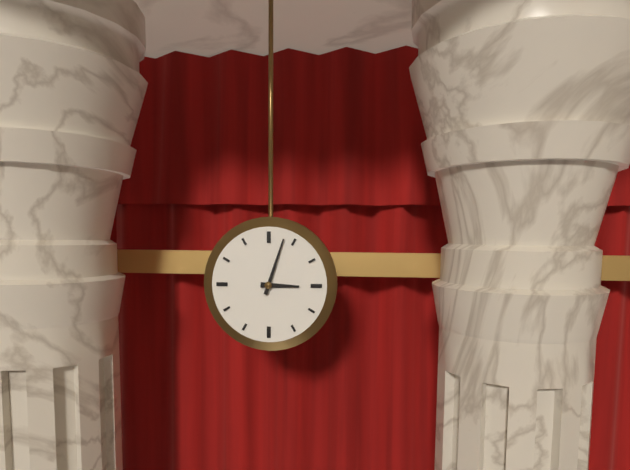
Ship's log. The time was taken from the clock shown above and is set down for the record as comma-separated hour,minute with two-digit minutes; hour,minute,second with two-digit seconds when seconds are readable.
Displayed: 3,03
